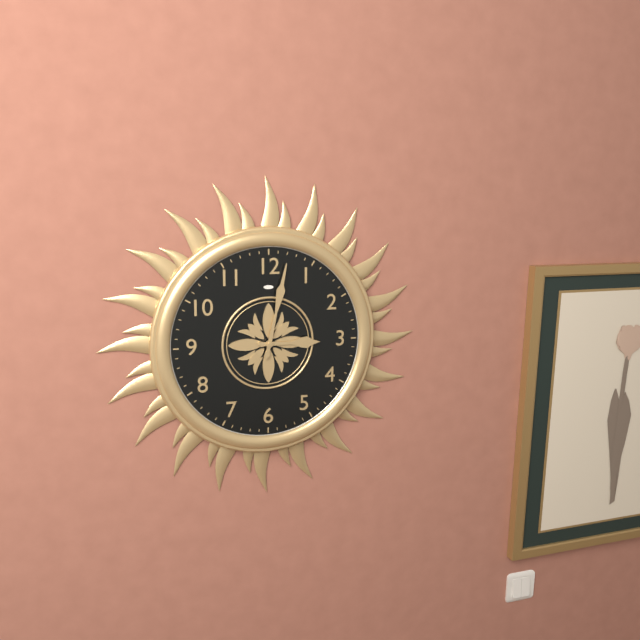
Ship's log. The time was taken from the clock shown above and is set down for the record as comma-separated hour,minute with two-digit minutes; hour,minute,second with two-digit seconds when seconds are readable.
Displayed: 3,02
